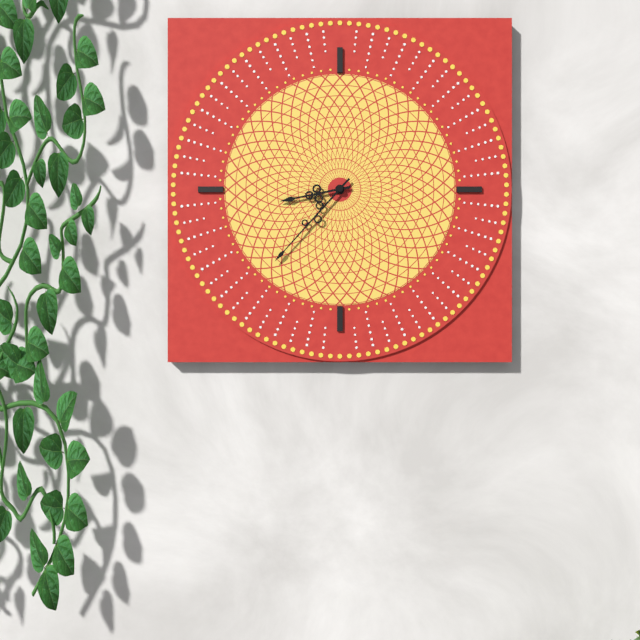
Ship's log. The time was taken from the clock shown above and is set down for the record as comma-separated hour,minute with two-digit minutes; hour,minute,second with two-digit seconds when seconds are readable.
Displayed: 8,37
